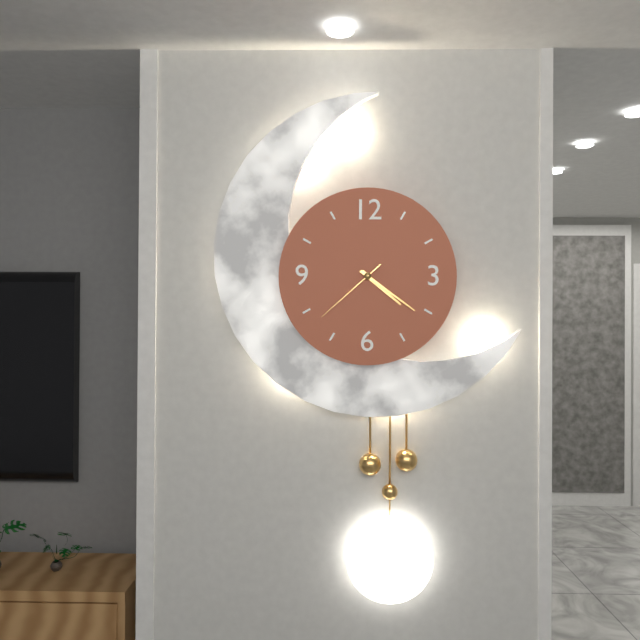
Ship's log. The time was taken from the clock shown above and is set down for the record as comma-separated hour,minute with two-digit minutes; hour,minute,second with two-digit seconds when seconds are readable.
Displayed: 4,21,38
